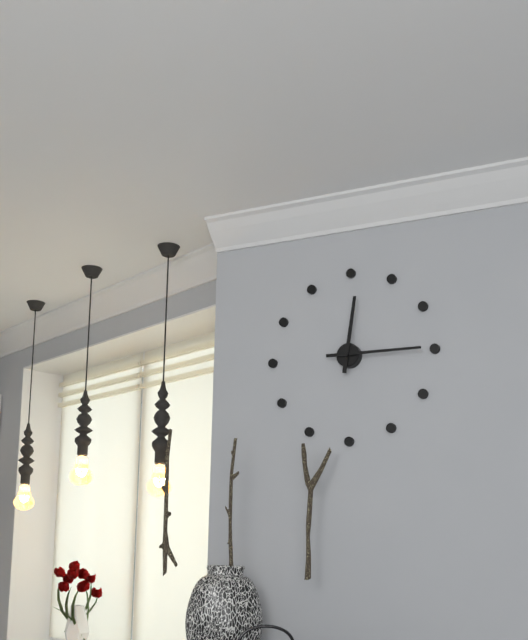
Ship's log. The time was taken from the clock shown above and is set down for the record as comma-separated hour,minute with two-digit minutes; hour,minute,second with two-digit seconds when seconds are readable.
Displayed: 12,15
